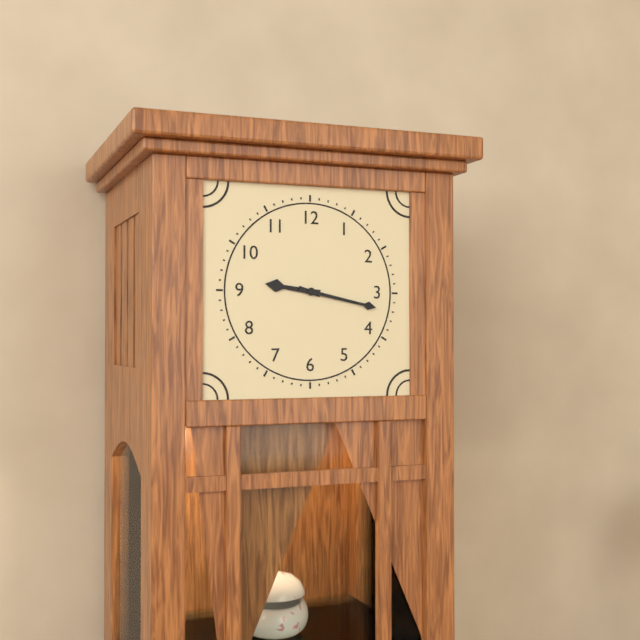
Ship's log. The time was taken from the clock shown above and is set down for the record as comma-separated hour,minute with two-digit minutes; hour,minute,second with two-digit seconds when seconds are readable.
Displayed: 9,17
